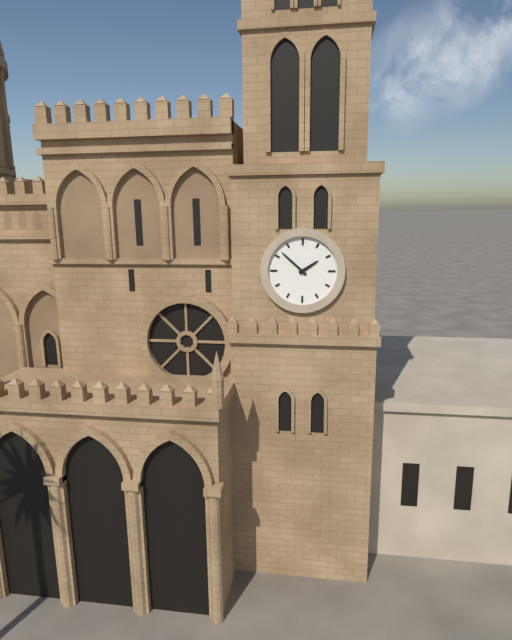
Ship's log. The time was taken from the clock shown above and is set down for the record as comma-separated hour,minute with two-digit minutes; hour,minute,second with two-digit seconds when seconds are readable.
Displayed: 1,52
